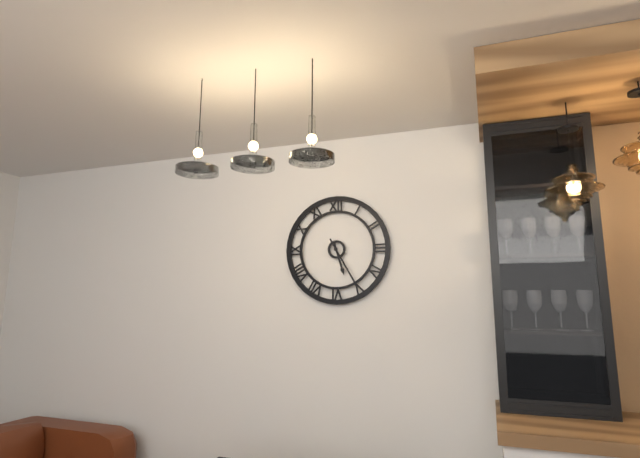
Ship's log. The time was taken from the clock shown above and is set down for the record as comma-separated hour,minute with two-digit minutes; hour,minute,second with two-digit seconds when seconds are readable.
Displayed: 5,25
